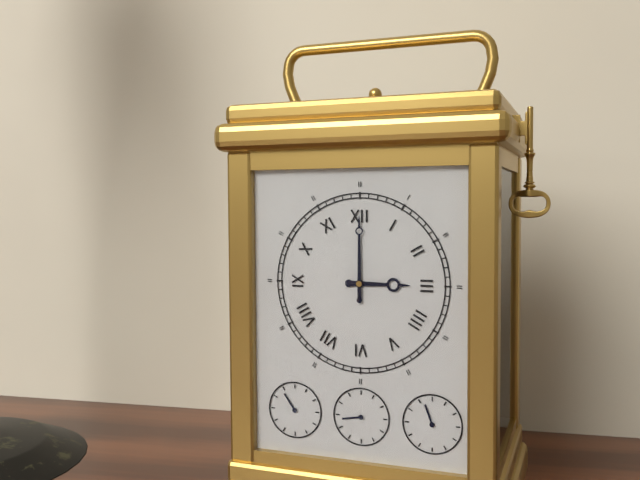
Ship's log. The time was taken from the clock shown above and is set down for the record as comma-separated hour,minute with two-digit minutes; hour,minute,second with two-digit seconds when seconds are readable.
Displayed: 3,00
